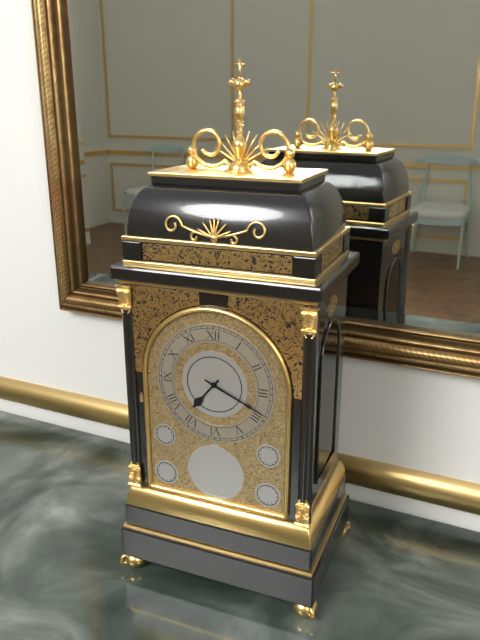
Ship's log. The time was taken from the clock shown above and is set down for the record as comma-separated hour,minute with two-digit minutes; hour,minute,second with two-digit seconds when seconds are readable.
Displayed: 7,19
